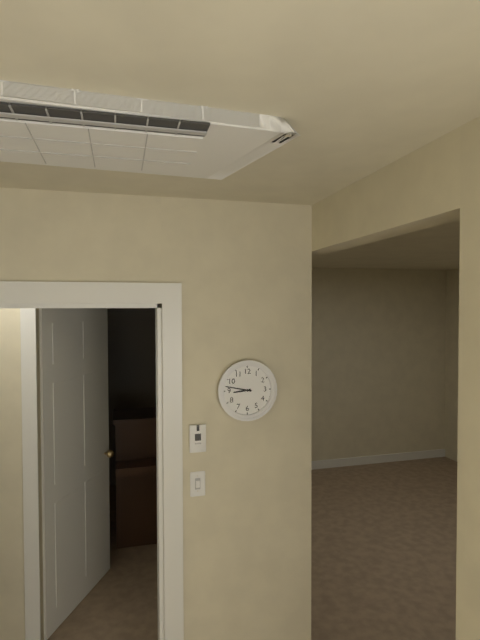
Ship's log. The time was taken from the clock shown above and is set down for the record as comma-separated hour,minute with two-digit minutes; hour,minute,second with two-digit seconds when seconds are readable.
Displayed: 8,47
